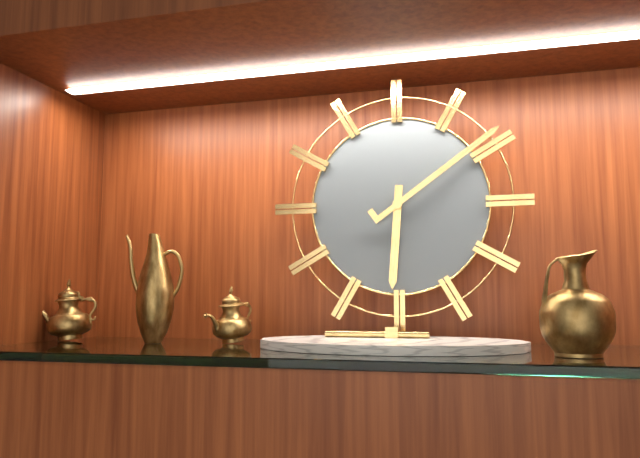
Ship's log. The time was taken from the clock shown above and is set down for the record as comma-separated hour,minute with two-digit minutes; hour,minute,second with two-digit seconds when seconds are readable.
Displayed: 6,09
